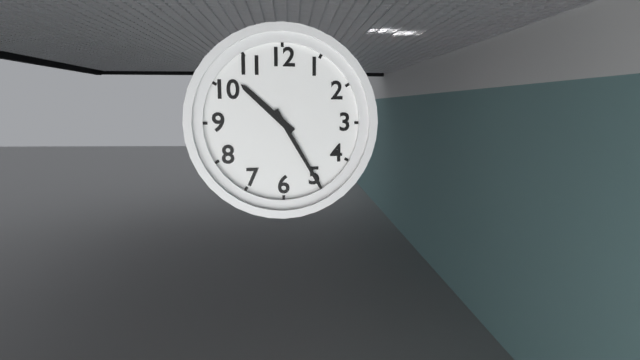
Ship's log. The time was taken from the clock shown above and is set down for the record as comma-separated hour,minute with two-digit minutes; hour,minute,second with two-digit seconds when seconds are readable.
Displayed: 10,25
